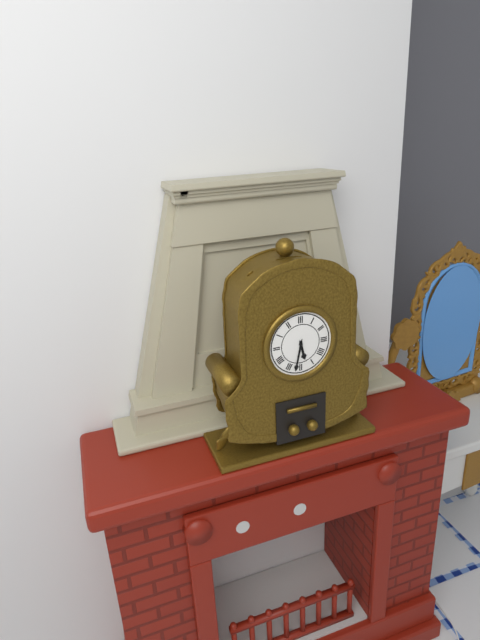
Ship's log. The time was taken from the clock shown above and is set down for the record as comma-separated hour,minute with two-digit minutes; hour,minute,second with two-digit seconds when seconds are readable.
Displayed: 5,32
